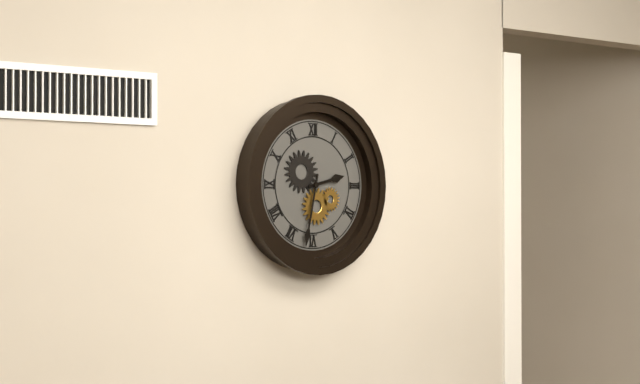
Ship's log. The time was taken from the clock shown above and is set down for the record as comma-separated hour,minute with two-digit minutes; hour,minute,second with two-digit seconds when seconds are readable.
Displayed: 2,32
